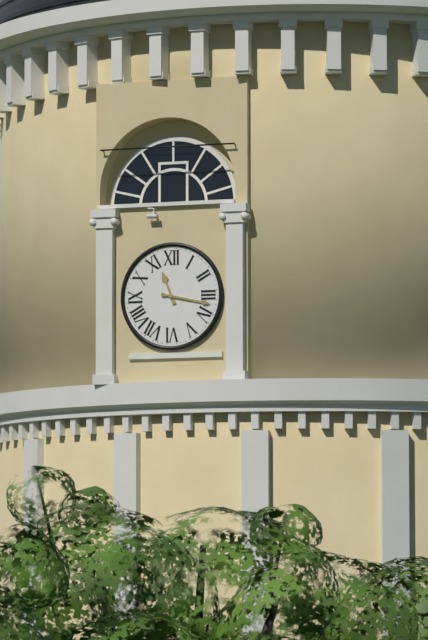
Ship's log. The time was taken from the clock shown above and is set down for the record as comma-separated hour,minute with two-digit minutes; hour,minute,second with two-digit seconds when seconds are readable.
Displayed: 11,17
